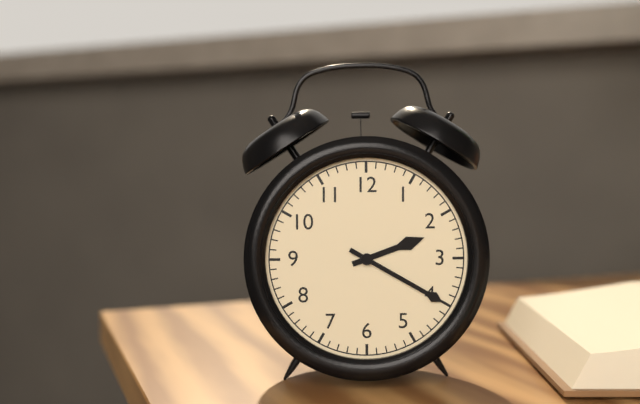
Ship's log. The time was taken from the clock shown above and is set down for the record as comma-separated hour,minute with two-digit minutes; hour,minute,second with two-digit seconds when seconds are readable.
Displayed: 2,20
